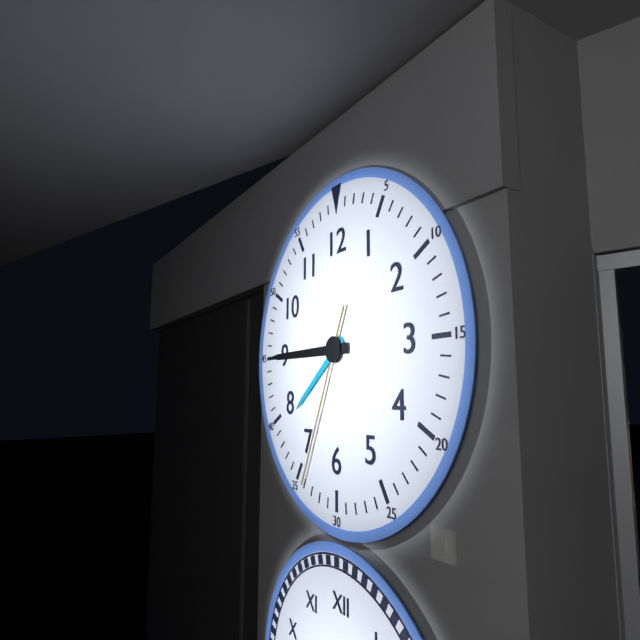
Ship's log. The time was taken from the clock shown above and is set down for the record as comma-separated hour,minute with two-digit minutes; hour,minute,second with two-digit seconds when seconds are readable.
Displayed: 7,45,34
